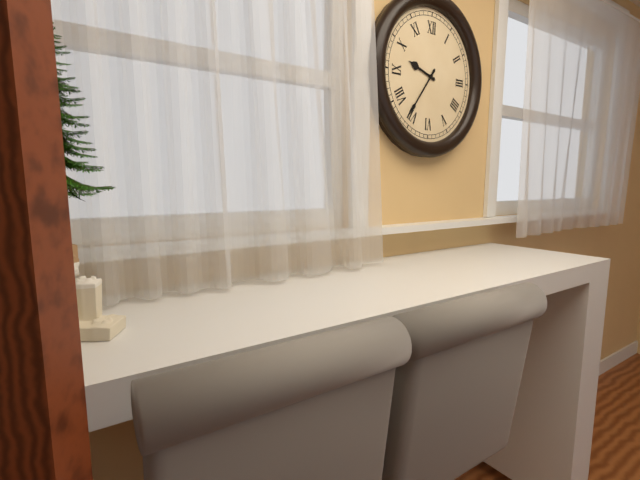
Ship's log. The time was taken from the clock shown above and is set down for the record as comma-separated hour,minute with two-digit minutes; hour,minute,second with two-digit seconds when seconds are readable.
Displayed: 9,36
